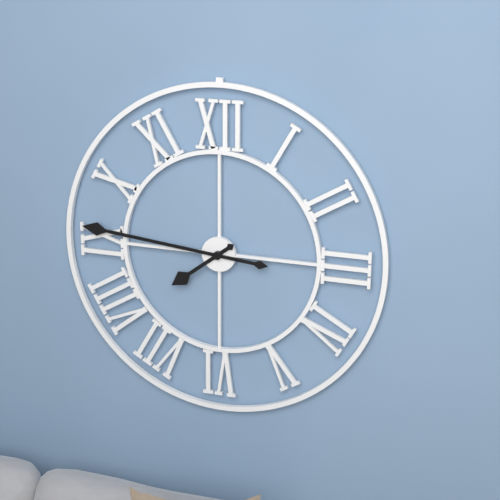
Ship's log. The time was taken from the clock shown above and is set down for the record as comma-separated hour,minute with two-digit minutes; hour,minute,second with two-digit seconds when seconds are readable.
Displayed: 7,46
